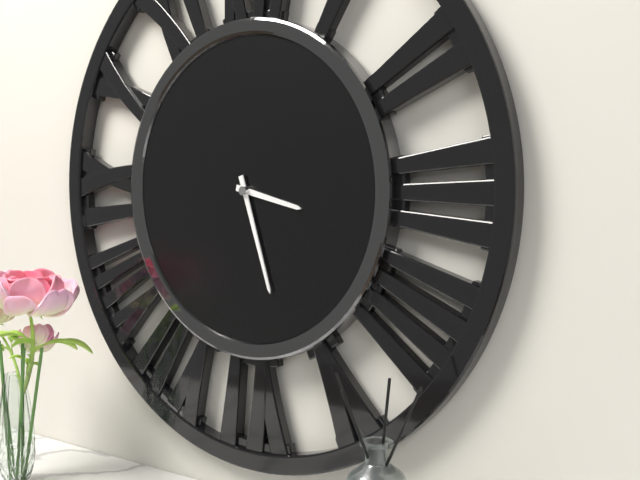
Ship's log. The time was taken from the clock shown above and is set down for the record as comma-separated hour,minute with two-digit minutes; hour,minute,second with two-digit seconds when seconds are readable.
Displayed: 3,27
